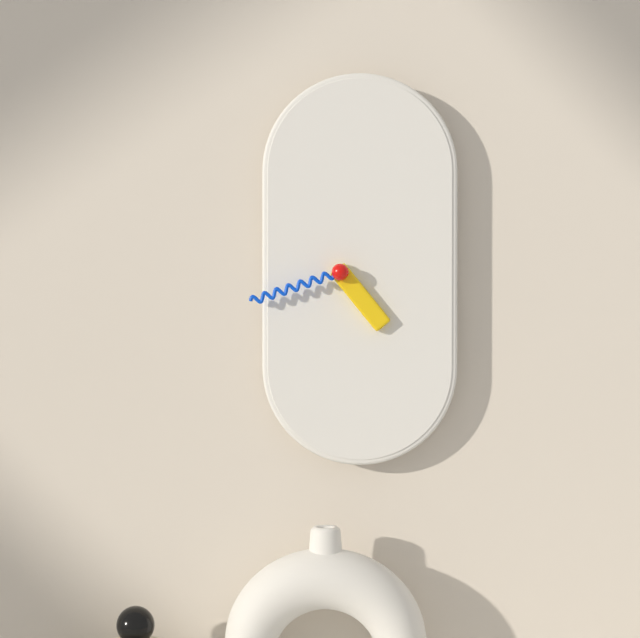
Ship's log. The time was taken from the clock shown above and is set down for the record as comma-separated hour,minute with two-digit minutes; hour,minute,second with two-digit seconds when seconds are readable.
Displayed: 4,42
